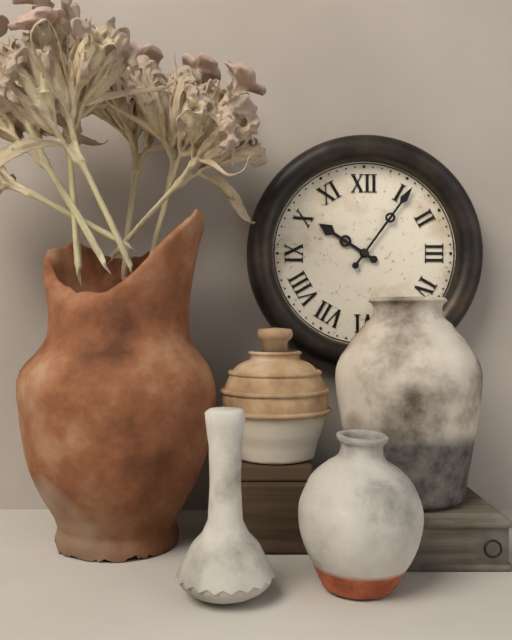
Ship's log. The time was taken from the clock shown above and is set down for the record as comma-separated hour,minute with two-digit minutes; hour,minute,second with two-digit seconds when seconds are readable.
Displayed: 10,06
